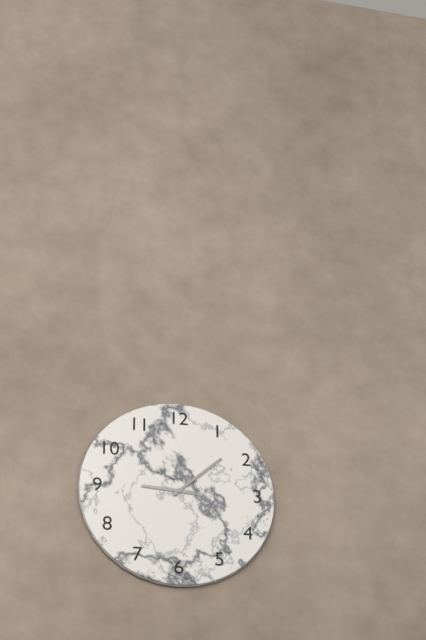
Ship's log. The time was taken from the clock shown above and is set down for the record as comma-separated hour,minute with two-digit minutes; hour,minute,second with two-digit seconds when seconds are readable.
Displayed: 9,08
